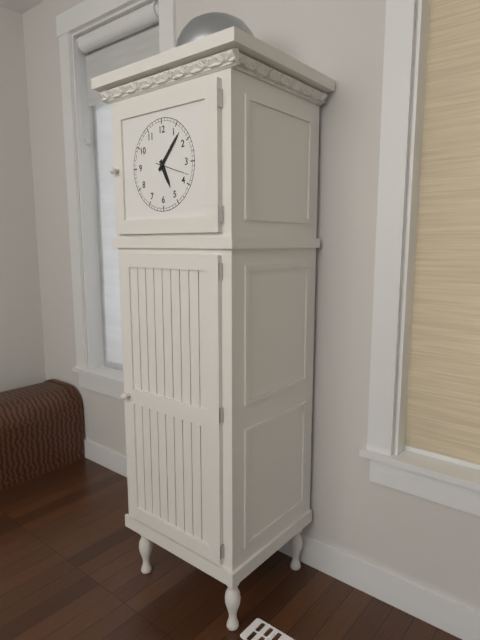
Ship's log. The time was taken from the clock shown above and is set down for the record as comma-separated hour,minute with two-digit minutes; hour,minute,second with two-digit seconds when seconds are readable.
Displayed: 5,07
